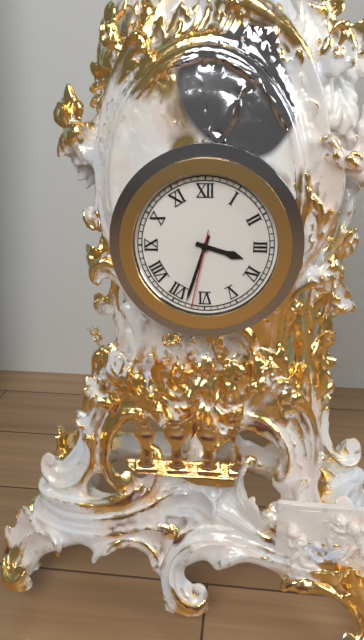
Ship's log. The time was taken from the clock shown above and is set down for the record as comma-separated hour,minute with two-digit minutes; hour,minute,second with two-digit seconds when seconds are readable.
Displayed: 3,33,32
